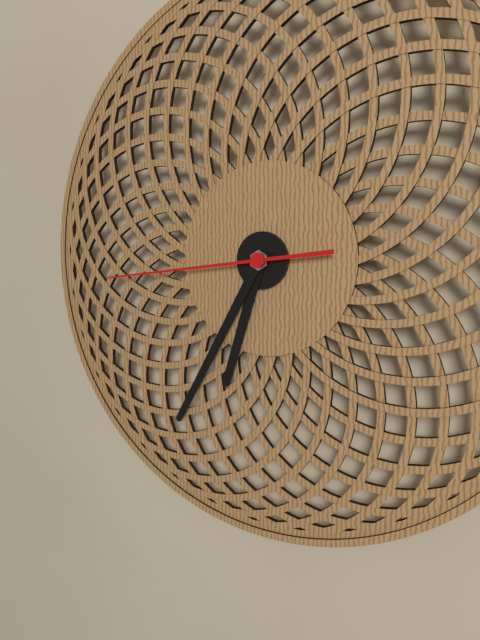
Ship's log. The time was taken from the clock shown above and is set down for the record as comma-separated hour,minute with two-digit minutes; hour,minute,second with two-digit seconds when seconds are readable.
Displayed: 6,35,44
